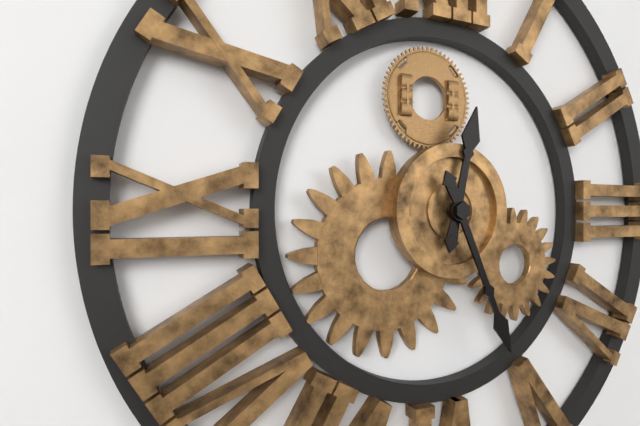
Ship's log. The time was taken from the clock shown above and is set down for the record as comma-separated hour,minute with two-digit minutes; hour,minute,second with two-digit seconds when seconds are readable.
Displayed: 12,26
